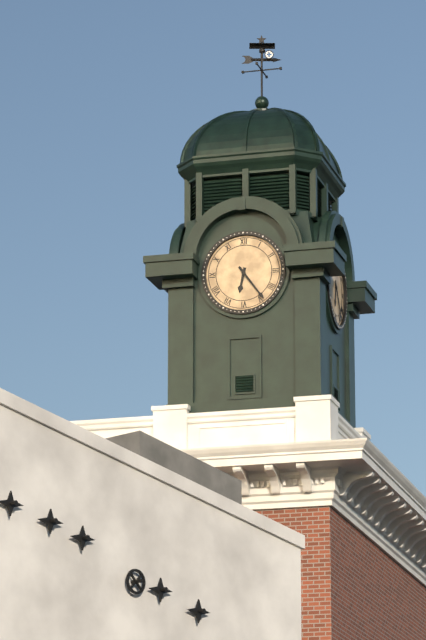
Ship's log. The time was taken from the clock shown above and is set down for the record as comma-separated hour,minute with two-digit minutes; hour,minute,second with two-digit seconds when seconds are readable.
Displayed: 6,24
